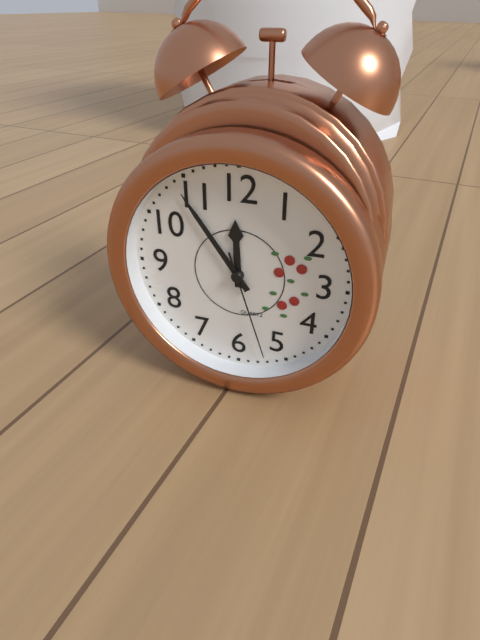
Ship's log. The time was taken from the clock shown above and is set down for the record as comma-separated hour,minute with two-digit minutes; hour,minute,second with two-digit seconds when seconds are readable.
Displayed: 11,54,27
